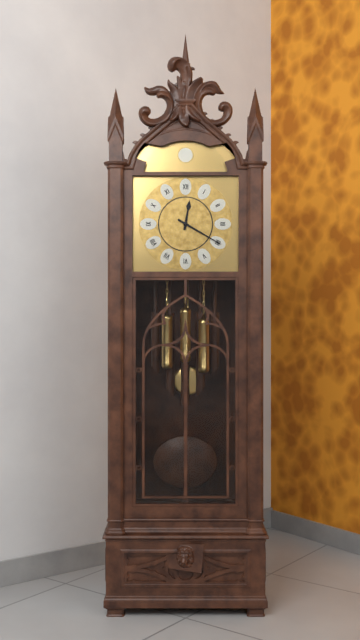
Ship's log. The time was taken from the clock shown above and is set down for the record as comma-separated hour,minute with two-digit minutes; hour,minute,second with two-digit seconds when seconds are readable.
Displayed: 12,20
